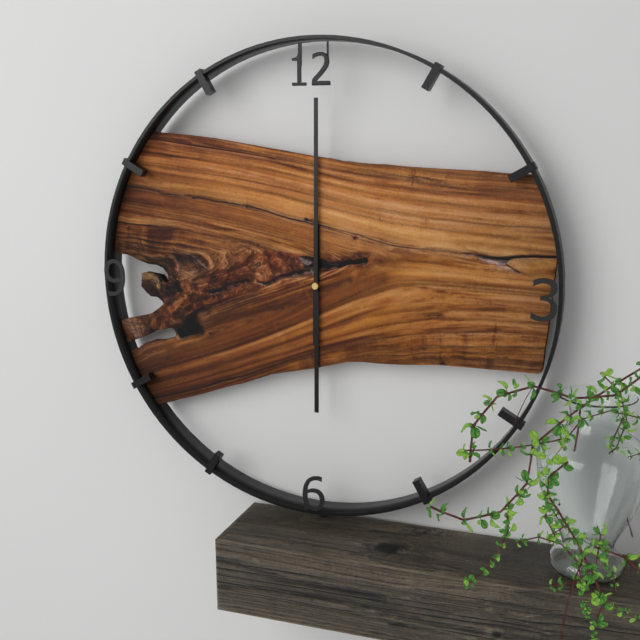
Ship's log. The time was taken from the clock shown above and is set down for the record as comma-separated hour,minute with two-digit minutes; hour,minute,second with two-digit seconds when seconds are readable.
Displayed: 6,00
